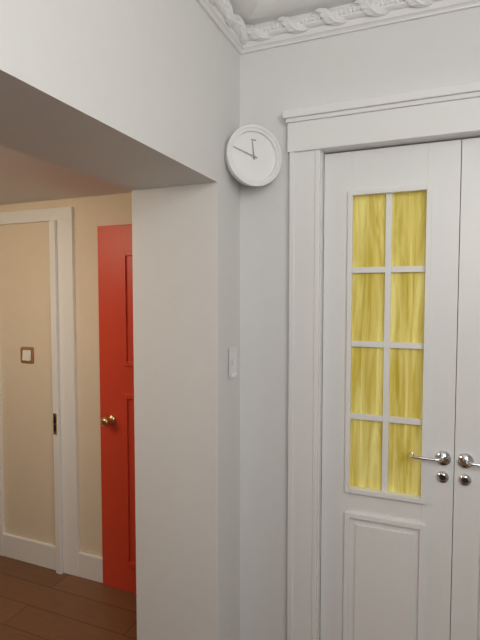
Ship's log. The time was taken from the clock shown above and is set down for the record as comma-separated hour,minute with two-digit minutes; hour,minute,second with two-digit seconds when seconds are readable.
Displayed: 11,48
